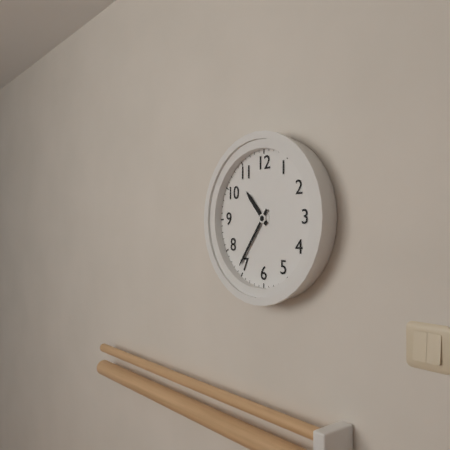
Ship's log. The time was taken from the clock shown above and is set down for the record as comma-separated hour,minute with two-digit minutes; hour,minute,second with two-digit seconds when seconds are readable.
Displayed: 10,36
